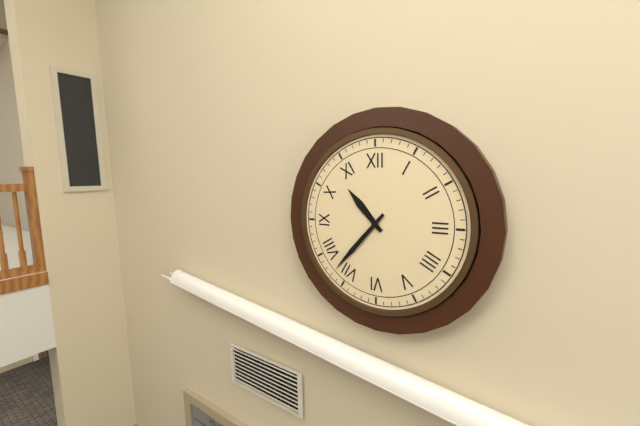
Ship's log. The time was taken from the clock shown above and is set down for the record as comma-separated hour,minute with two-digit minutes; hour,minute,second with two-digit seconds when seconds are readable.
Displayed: 10,37
